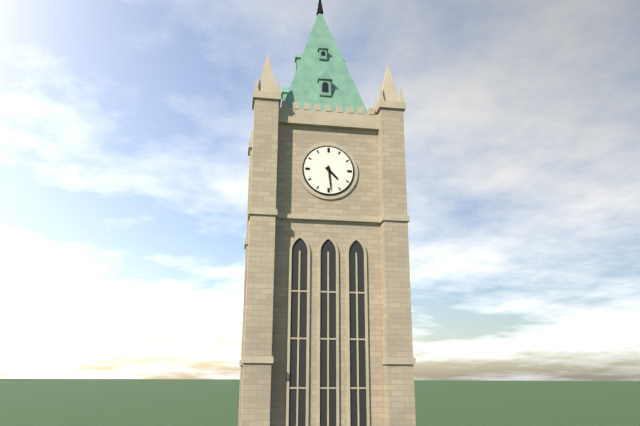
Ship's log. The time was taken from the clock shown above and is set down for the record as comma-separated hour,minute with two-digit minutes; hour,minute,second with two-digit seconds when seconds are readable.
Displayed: 4,29
